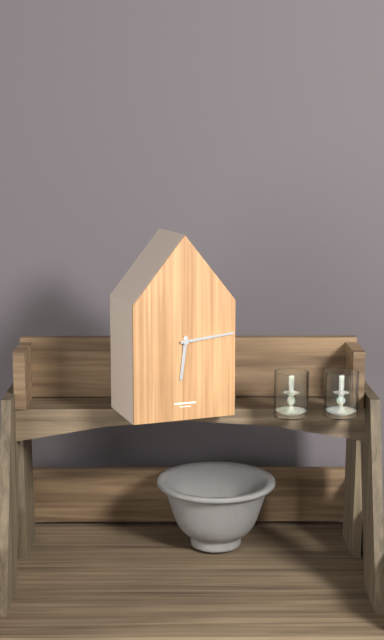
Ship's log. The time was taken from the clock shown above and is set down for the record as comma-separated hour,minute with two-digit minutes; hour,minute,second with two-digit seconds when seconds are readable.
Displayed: 6,14
